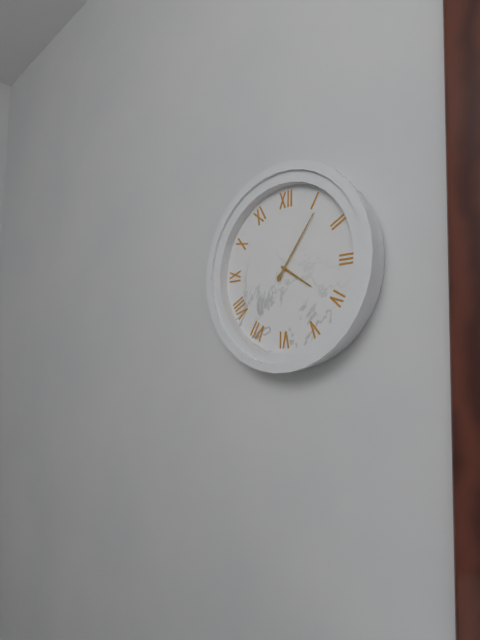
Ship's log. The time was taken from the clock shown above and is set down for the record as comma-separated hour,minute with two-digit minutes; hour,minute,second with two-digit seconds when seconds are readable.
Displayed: 4,06
